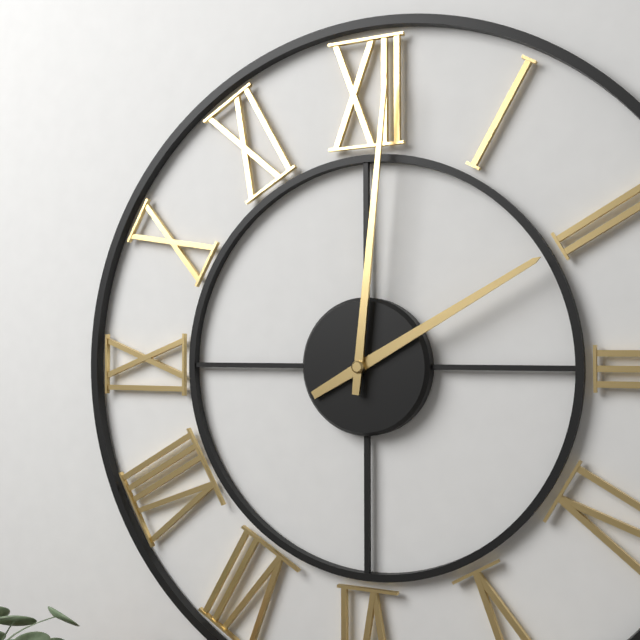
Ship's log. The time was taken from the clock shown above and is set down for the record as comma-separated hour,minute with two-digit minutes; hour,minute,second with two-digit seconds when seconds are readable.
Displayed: 2,01
